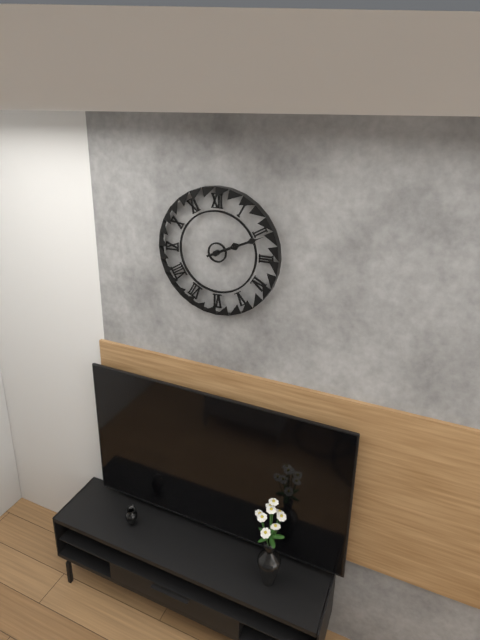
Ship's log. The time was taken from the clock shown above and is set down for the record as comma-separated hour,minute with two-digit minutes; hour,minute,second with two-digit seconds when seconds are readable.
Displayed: 2,11
